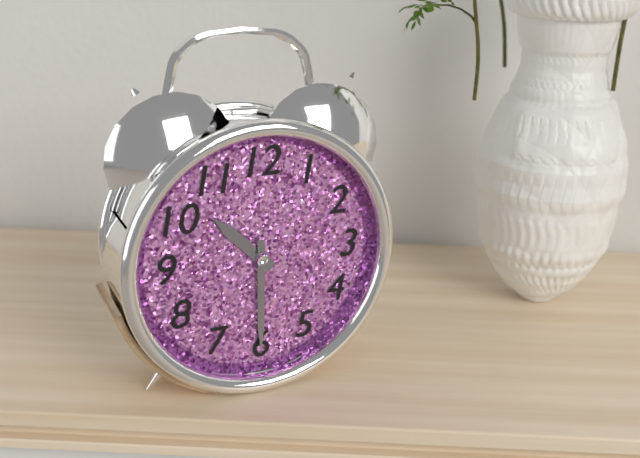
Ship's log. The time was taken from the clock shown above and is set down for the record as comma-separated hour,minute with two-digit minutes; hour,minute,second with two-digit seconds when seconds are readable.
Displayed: 10,30
